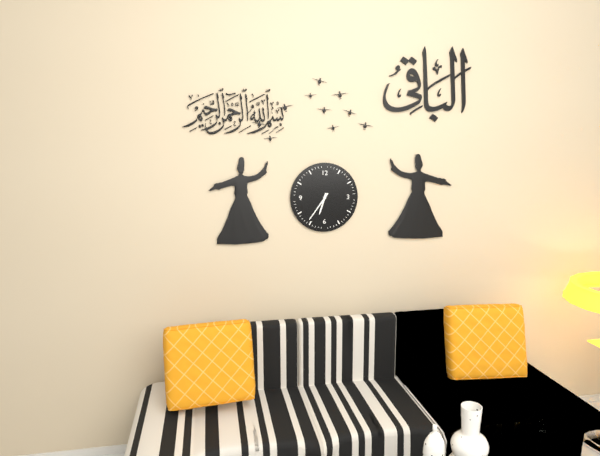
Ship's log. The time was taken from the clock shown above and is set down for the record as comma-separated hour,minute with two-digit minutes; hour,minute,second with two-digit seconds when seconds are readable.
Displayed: 6,36
